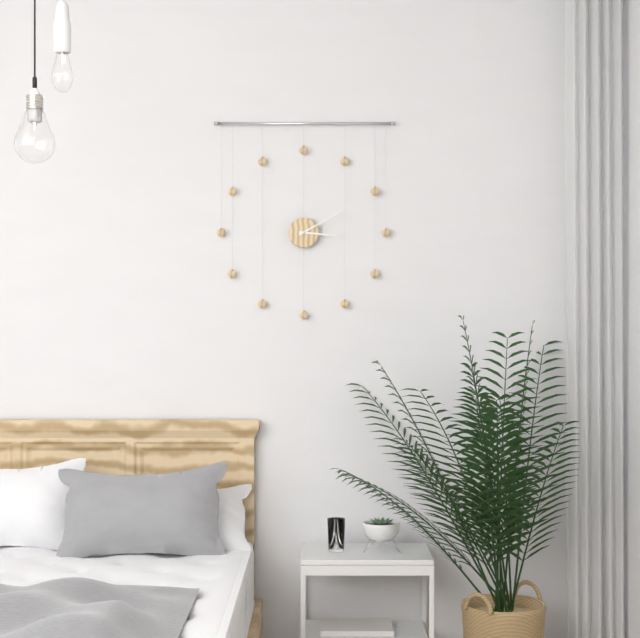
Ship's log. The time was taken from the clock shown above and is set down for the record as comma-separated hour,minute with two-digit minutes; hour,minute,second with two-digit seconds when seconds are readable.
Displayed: 3,10
